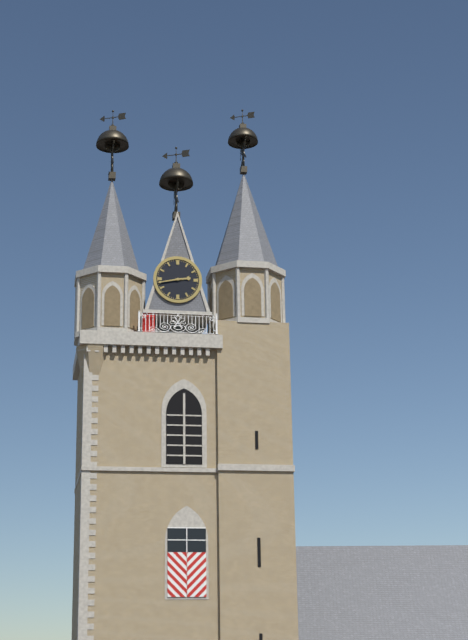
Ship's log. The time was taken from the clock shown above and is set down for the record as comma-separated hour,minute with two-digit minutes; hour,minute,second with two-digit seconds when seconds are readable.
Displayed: 2,43
